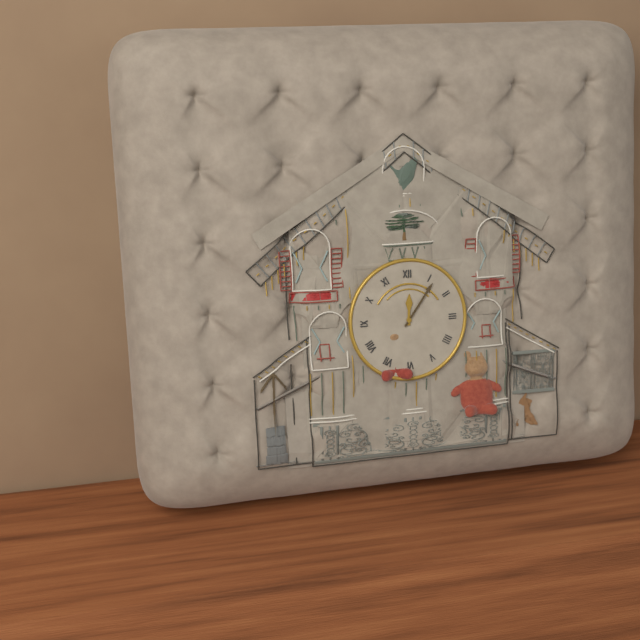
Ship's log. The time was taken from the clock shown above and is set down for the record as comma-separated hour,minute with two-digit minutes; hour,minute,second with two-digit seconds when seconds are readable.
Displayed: 12,06
